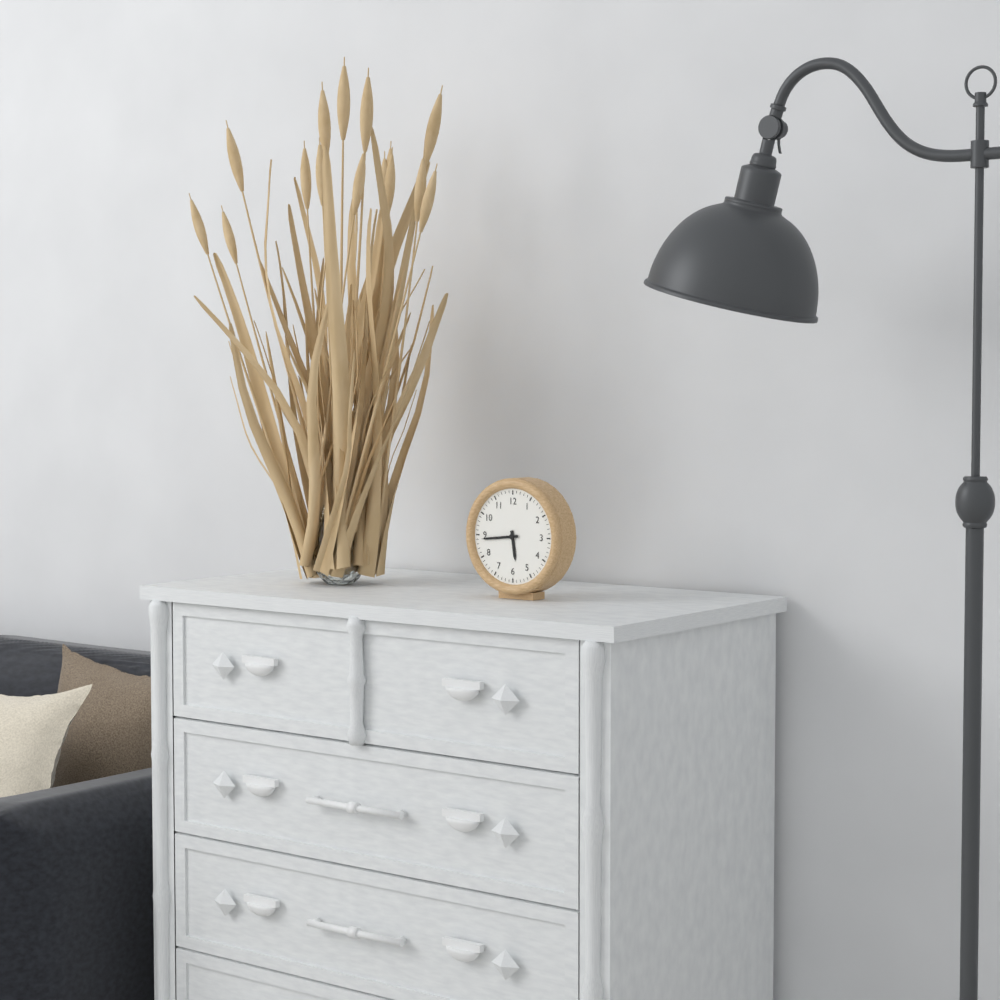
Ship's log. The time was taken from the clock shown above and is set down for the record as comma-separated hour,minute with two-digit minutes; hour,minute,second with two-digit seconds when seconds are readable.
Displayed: 5,44
